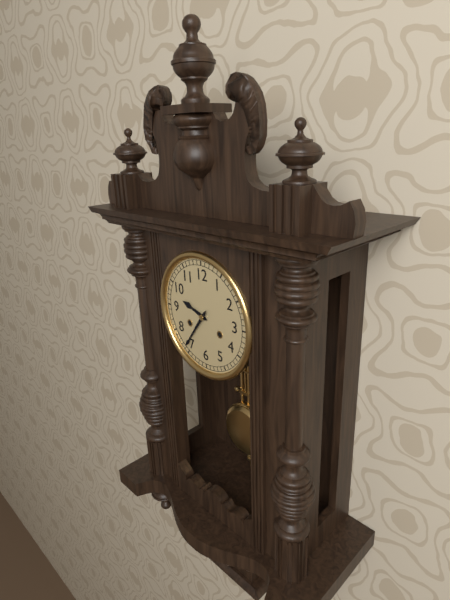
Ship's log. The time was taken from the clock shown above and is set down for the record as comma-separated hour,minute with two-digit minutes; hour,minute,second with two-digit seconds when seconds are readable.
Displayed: 9,36
